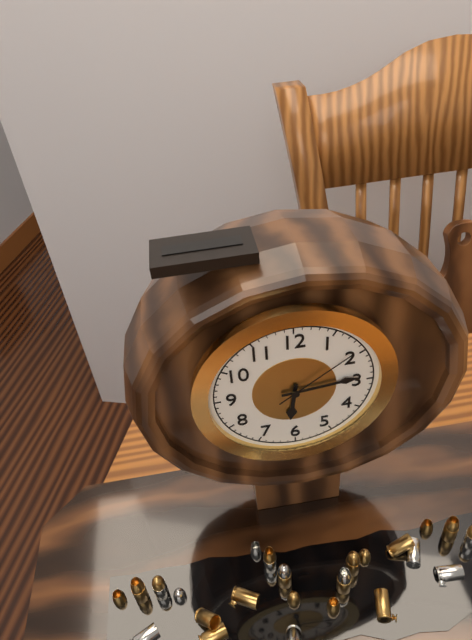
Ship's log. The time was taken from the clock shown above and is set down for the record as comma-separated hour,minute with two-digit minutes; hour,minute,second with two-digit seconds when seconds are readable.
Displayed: 6,14,09
